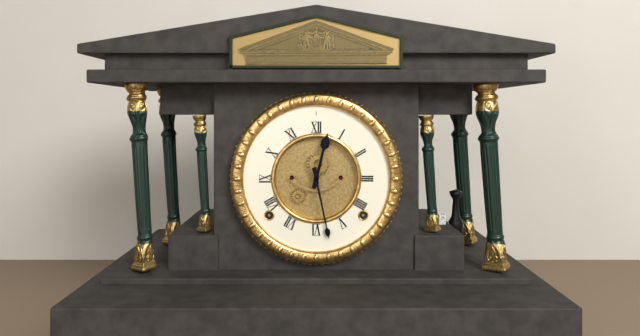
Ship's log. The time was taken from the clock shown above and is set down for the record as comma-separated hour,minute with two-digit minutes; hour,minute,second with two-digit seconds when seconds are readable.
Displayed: 12,28
